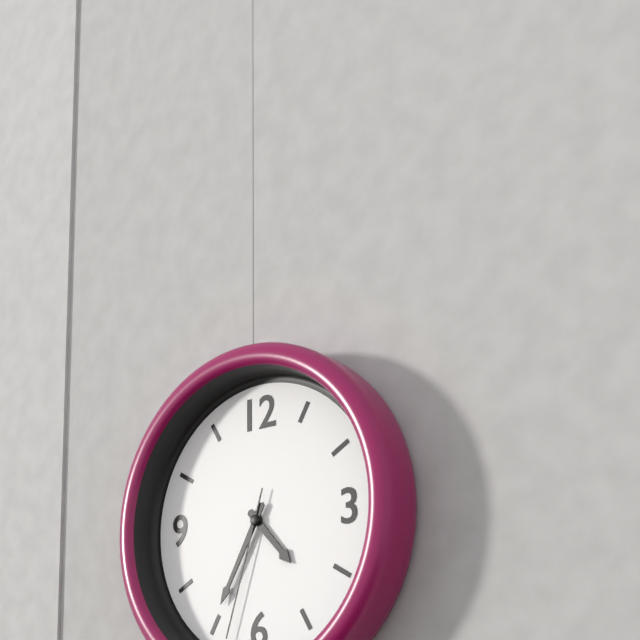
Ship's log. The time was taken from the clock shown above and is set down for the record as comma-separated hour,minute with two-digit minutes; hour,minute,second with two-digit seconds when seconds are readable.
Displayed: 4,35,33
